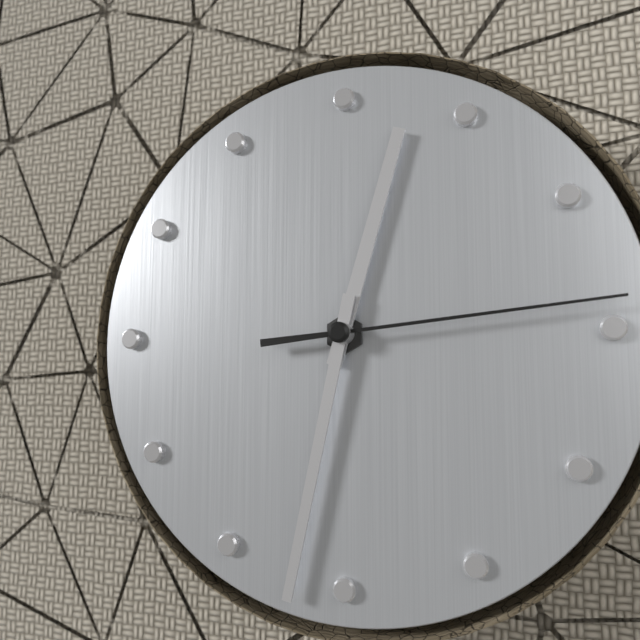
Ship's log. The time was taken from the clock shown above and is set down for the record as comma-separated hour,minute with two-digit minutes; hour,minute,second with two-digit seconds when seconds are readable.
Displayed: 12,32,14
